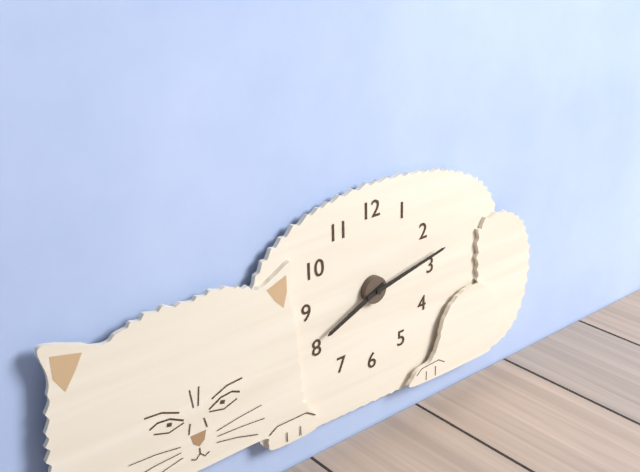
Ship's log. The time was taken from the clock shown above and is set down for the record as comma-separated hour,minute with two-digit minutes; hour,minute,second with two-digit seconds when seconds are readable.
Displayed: 8,13
